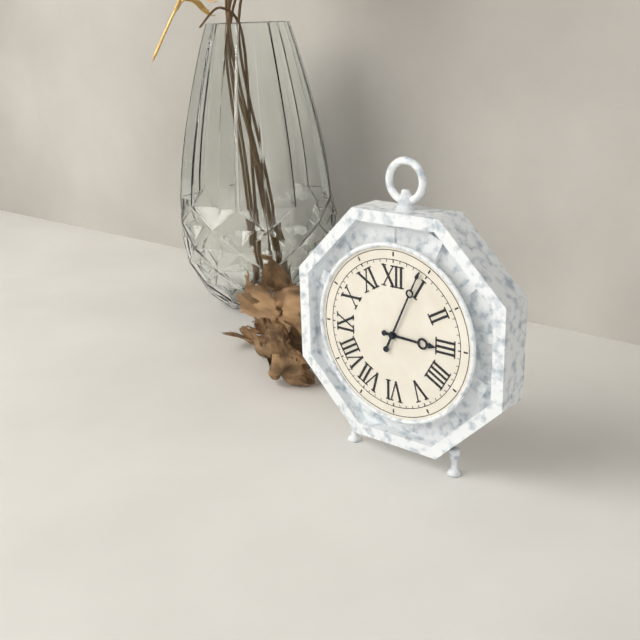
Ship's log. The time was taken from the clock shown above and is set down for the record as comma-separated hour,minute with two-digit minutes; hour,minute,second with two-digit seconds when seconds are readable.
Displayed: 3,04
